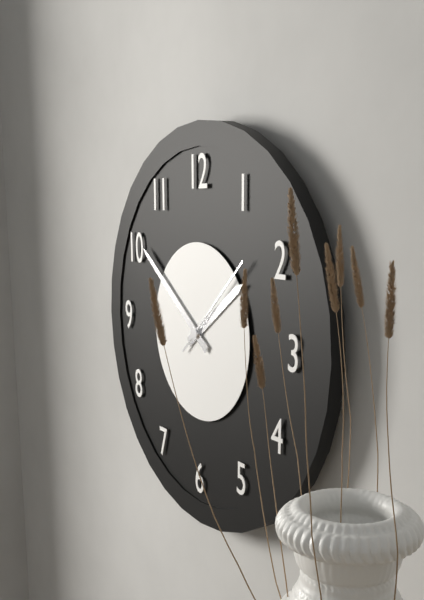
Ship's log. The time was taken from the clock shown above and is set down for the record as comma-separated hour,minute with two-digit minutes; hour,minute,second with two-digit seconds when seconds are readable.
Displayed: 1,51,08
